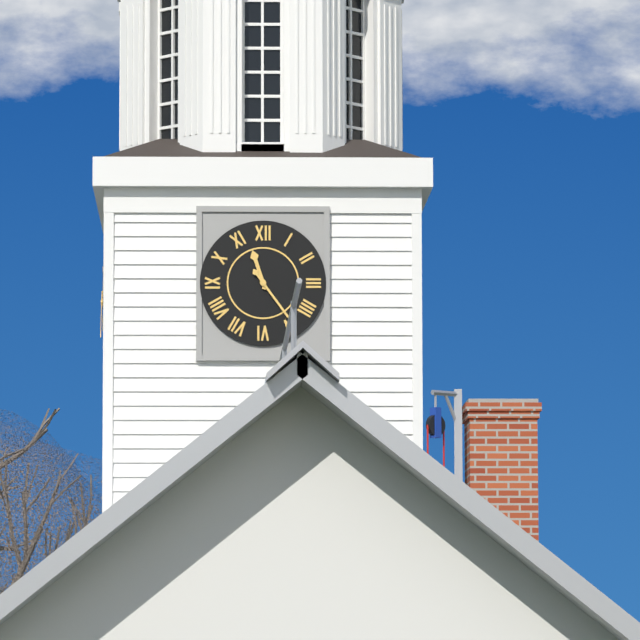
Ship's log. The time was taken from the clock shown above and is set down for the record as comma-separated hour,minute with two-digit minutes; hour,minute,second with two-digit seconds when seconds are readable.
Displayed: 11,24
